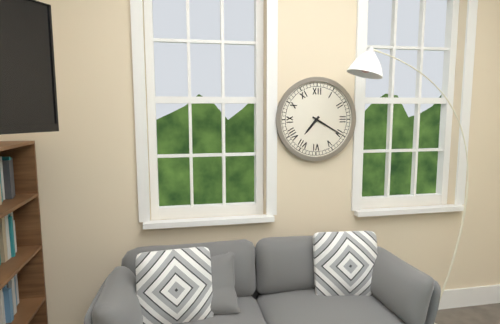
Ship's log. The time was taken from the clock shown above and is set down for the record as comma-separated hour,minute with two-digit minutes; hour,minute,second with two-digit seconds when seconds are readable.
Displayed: 7,20
